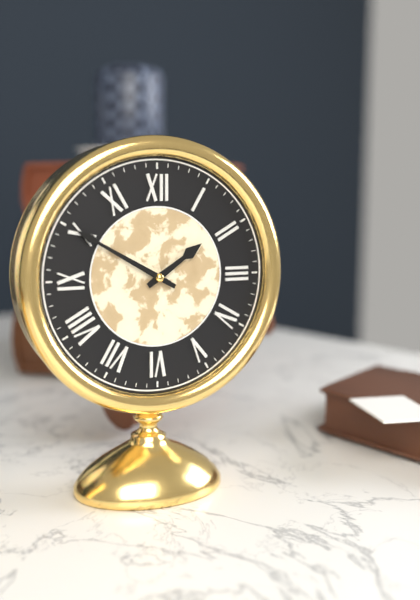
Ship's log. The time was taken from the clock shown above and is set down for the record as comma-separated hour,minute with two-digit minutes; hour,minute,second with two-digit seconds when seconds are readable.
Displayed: 1,50
